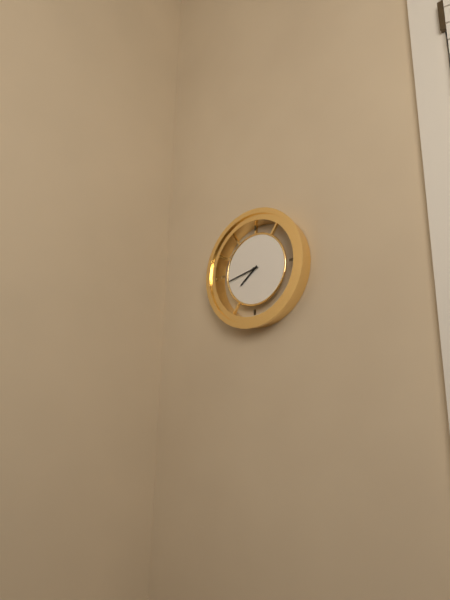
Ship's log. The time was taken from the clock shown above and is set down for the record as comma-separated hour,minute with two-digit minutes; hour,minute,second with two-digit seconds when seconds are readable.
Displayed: 7,43
